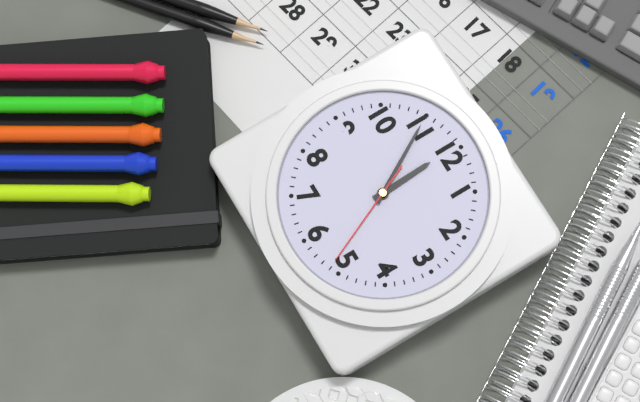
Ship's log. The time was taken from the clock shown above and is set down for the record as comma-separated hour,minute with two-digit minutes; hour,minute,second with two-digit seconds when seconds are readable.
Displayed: 11,55,26
